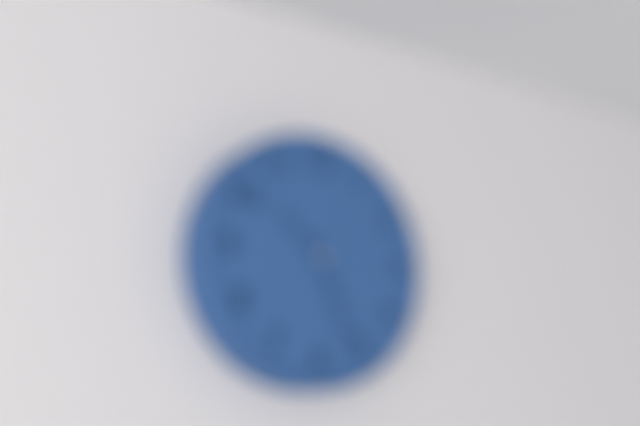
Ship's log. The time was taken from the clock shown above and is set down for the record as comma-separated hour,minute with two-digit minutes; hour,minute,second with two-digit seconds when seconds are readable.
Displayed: 10,26
